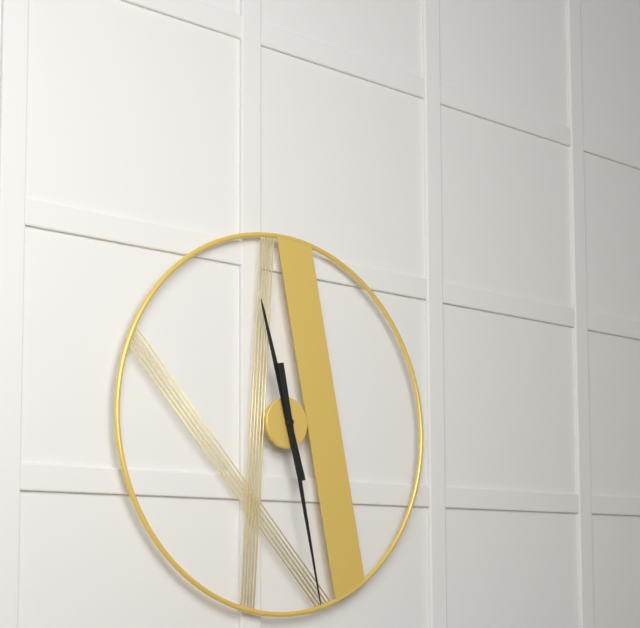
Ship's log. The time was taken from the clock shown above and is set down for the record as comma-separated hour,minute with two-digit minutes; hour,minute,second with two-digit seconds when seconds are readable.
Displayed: 11,28
